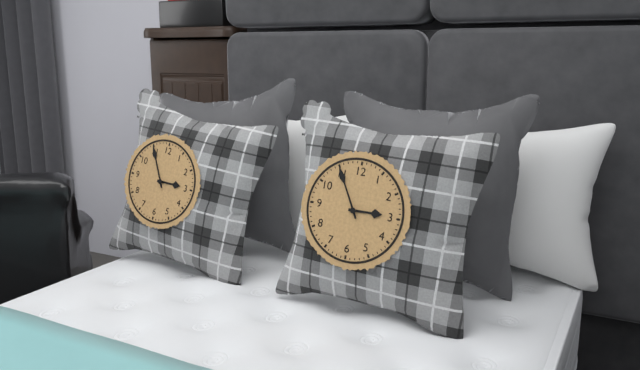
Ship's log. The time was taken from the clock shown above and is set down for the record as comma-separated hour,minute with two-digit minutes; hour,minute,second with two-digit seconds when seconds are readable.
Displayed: 2,55
